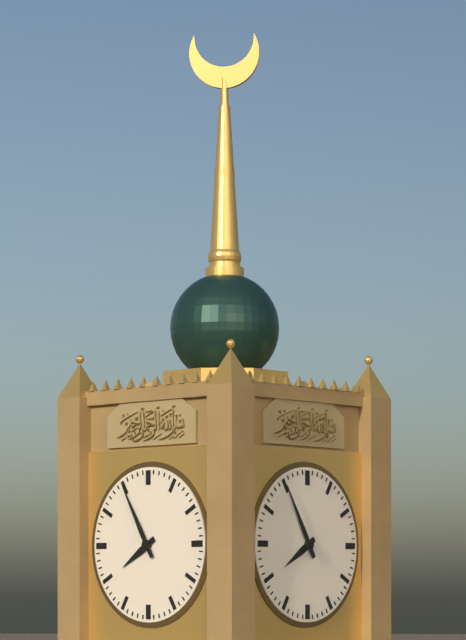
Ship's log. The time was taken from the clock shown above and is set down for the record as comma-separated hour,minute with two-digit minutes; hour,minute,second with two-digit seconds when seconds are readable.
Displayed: 7,55
